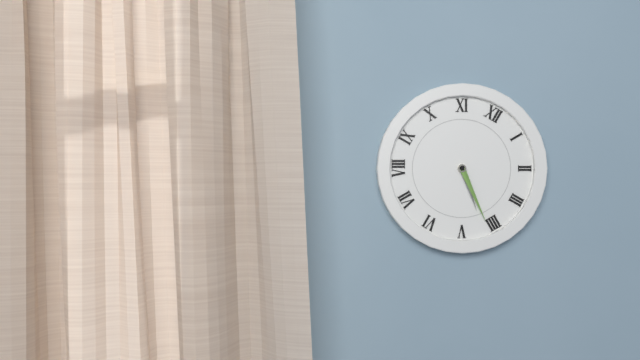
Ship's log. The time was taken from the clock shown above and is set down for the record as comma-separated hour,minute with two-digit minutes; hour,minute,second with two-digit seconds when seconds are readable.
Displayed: 4,21
